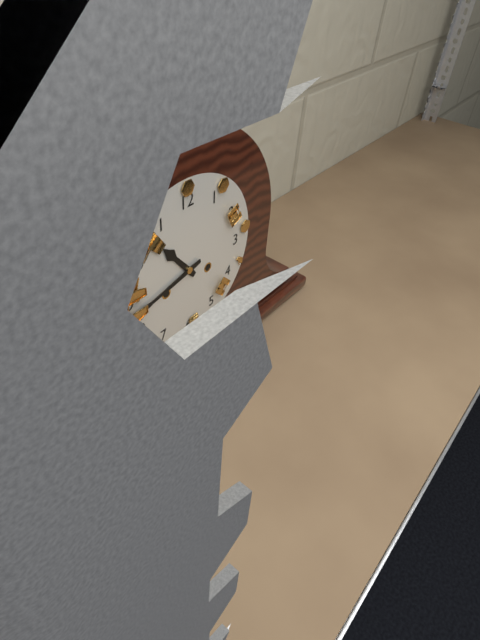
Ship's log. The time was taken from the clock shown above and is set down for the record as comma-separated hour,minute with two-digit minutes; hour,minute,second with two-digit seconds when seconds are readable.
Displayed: 10,43
